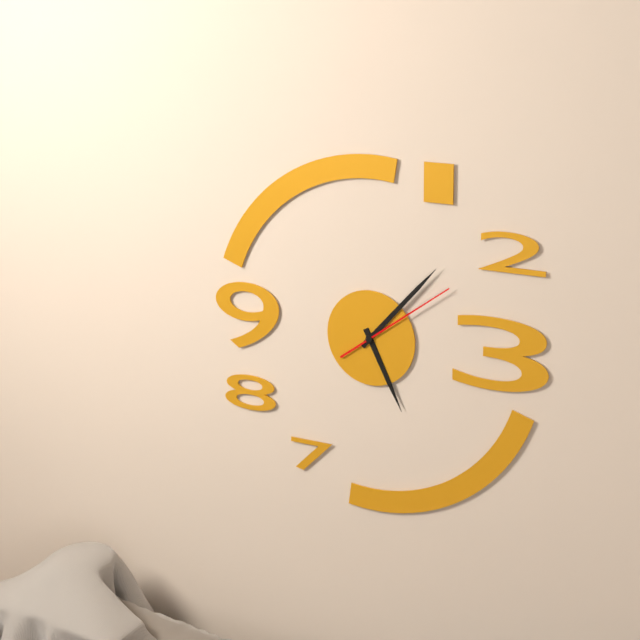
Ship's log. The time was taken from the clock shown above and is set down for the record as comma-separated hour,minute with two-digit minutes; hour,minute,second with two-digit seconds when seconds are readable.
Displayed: 5,07,09
